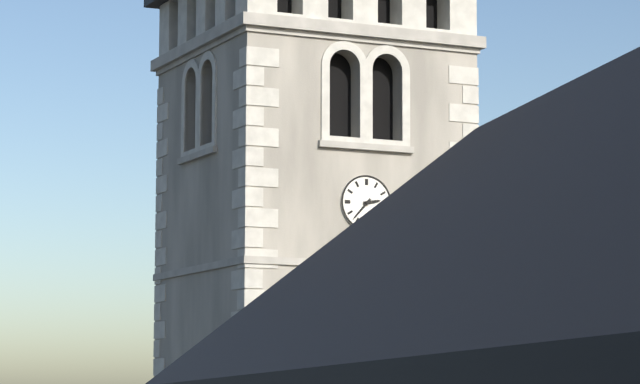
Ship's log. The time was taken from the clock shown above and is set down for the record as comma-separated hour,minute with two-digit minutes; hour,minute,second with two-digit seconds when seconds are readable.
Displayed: 2,37
